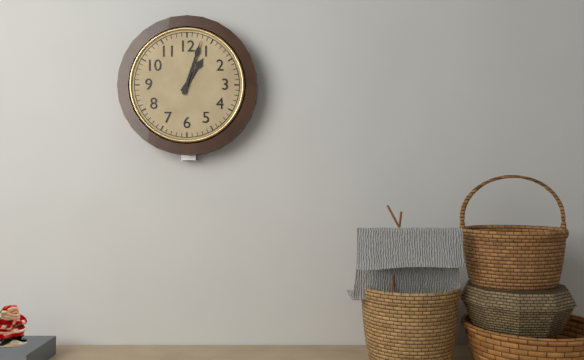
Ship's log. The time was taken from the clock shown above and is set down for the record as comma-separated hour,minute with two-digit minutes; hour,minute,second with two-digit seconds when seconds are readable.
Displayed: 1,03
